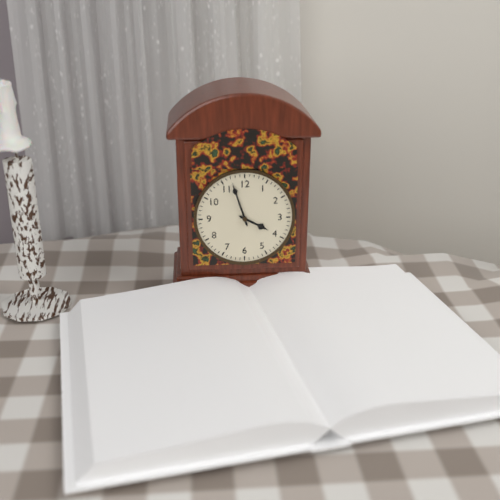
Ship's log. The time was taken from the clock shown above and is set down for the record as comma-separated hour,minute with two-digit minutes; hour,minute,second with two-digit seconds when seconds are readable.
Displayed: 3,57
